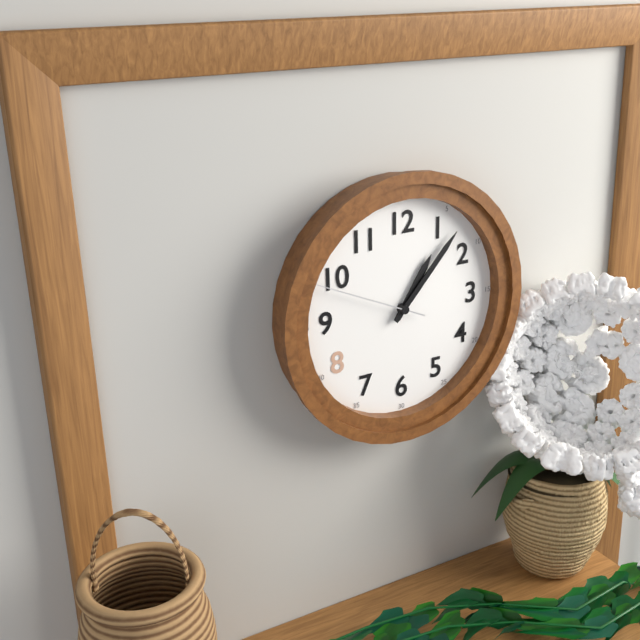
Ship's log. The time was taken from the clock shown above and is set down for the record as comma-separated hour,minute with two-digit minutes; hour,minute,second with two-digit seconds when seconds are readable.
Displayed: 1,07,49
